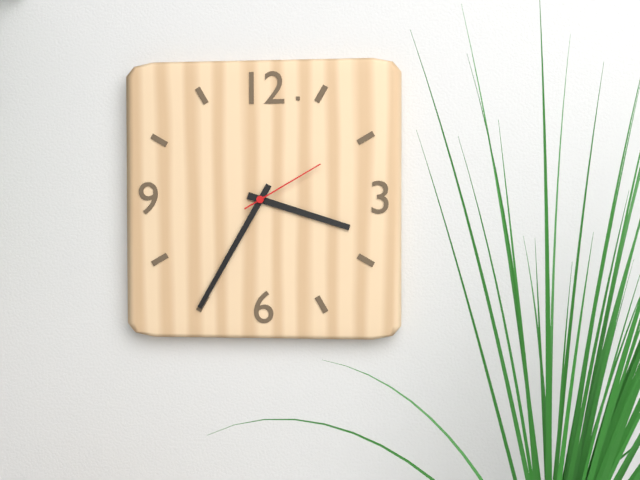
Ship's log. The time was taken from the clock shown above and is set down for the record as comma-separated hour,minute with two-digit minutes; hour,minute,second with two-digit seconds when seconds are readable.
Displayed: 3,35,10
